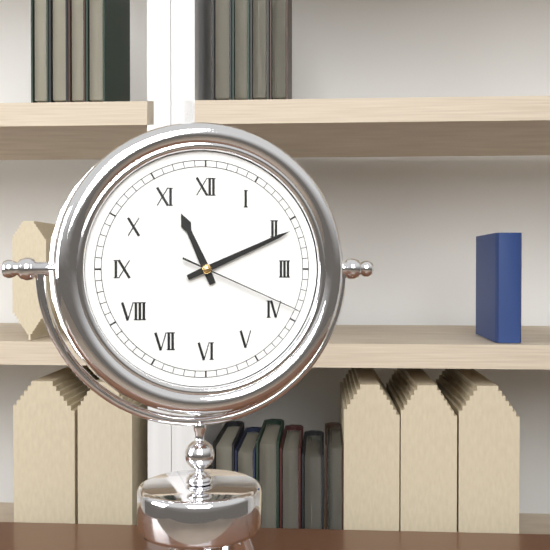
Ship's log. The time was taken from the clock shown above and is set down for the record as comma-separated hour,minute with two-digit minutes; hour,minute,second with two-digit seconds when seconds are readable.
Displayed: 11,11,19
